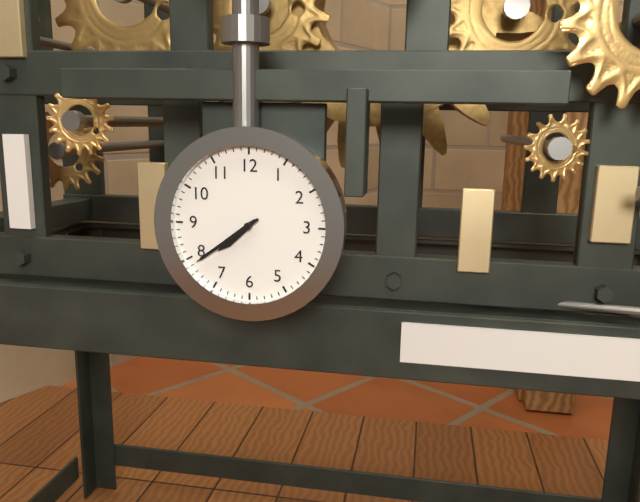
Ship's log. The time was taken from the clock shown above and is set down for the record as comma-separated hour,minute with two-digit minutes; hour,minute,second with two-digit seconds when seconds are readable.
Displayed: 7,39
